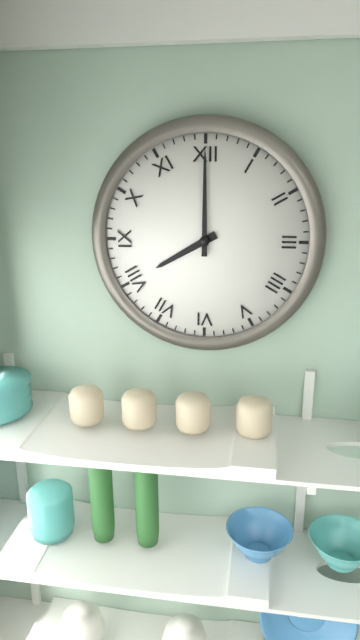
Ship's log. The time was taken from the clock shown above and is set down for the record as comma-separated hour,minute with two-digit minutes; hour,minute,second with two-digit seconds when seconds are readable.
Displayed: 8,00
